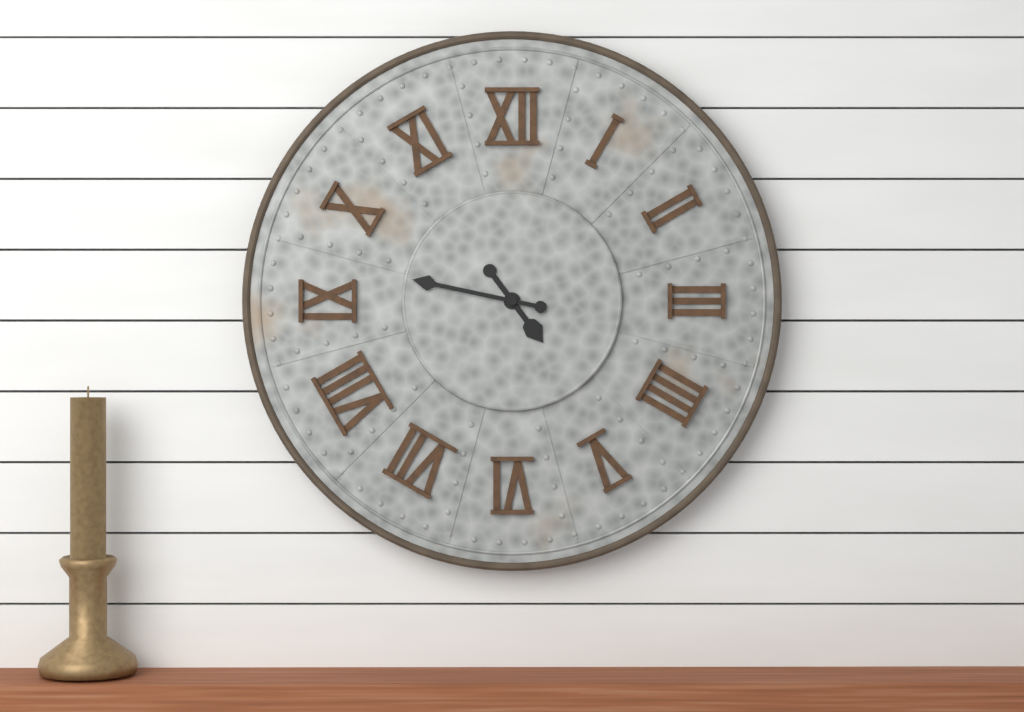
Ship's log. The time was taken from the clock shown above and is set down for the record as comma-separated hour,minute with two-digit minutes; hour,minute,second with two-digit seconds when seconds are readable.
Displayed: 4,47
